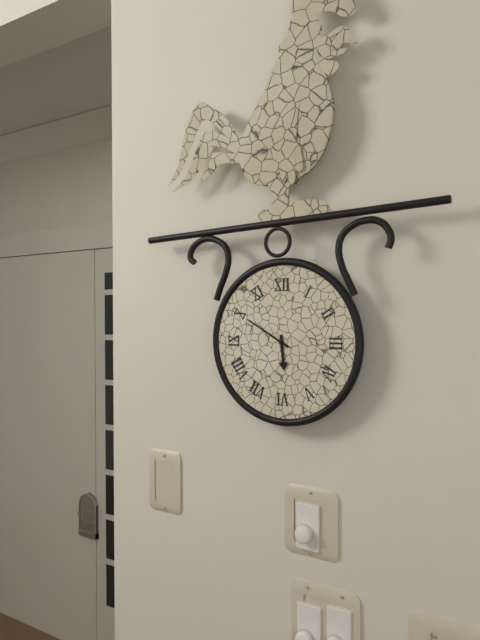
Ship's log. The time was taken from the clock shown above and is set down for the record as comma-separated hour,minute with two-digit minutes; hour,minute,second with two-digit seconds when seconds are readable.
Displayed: 5,50
